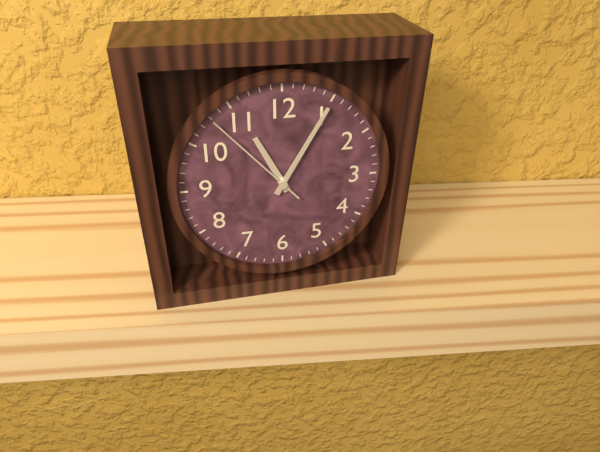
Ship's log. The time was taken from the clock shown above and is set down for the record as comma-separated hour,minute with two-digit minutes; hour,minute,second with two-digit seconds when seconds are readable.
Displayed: 11,05,53
